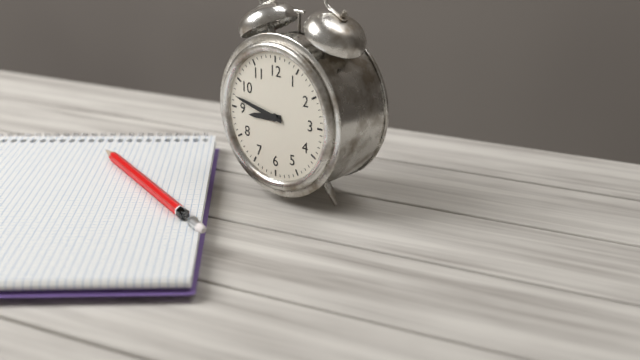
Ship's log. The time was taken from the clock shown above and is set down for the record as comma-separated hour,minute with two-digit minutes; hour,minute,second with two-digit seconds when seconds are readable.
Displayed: 8,47
